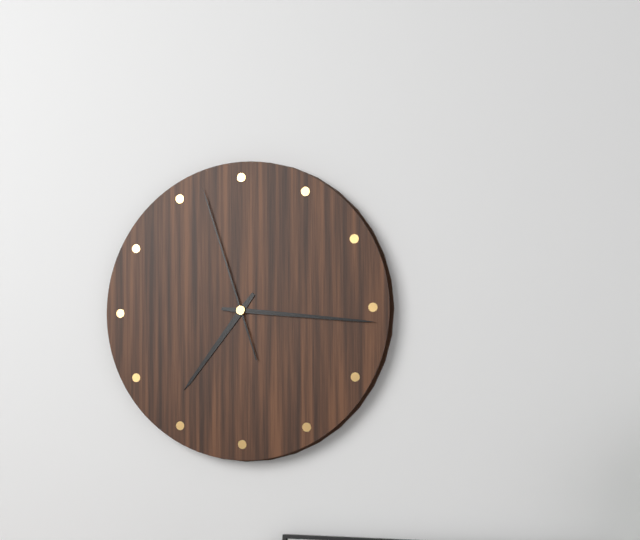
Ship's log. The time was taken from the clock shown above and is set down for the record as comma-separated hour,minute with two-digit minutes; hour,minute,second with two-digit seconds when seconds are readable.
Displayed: 7,16,57
